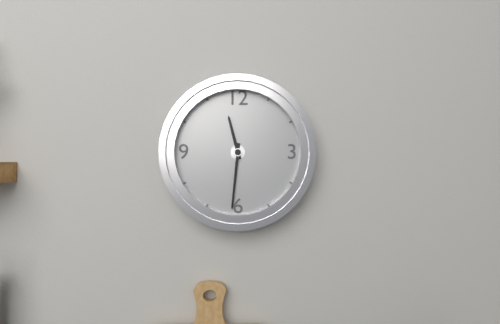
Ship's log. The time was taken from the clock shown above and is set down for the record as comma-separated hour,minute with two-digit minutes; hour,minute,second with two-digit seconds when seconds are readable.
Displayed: 11,31
